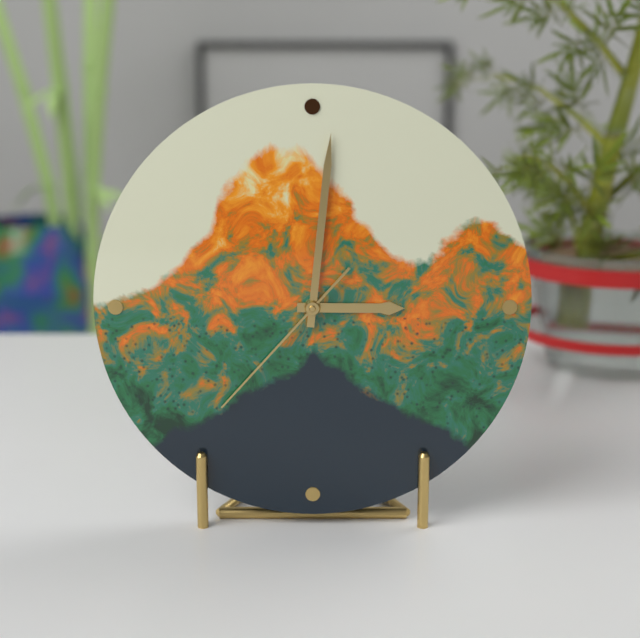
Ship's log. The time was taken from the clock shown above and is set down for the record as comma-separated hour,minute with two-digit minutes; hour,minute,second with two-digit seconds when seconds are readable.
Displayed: 3,01,37
